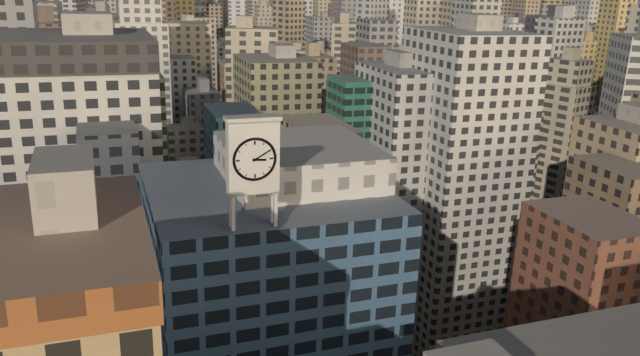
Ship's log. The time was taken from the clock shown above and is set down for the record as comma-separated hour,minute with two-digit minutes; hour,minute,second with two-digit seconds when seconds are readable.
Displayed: 3,10
